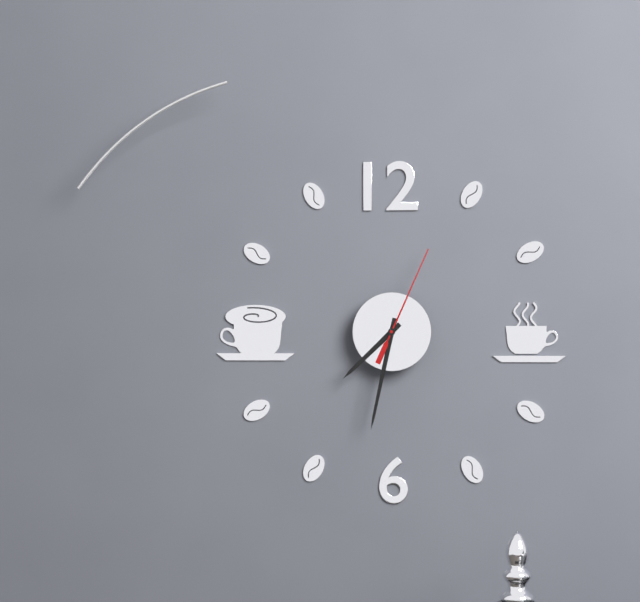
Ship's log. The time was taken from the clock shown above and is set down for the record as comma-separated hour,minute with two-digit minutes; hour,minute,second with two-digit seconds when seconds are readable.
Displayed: 7,32,04
